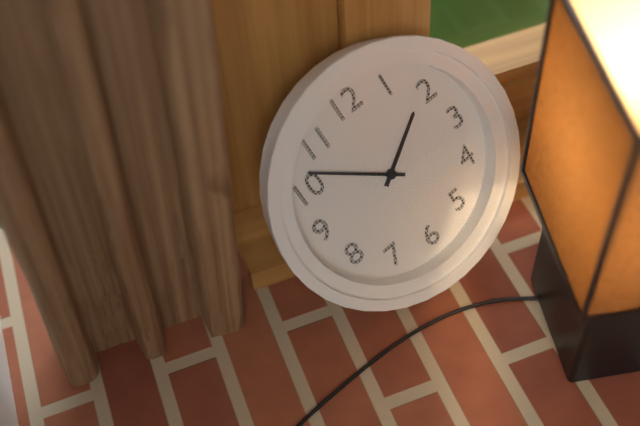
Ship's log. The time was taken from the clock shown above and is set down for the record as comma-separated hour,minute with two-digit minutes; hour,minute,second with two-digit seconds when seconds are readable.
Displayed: 1,52
